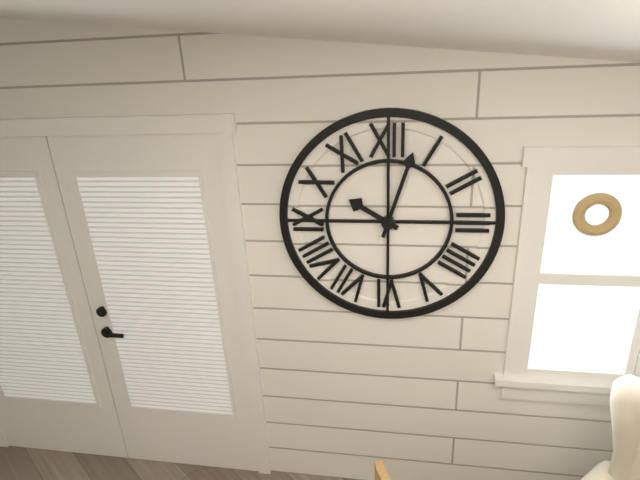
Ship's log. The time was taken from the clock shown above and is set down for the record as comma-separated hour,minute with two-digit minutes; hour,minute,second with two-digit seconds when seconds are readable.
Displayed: 10,03
